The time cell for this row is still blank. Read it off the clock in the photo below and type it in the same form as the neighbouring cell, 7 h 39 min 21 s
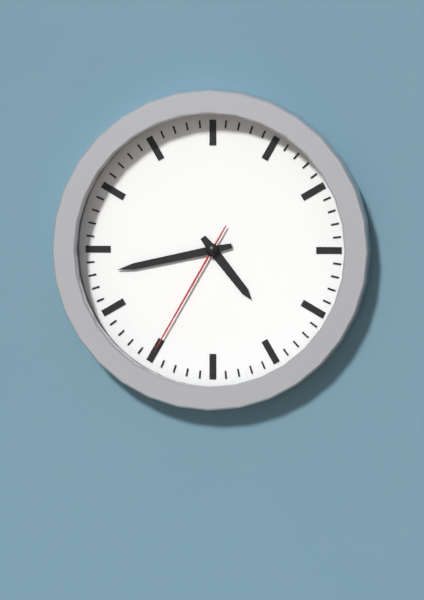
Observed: 4 h 43 min 35 s
